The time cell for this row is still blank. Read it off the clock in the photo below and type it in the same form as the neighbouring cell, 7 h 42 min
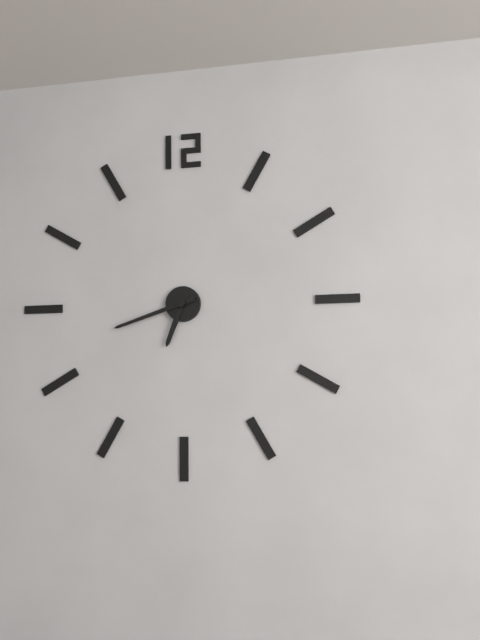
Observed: 6 h 42 min
